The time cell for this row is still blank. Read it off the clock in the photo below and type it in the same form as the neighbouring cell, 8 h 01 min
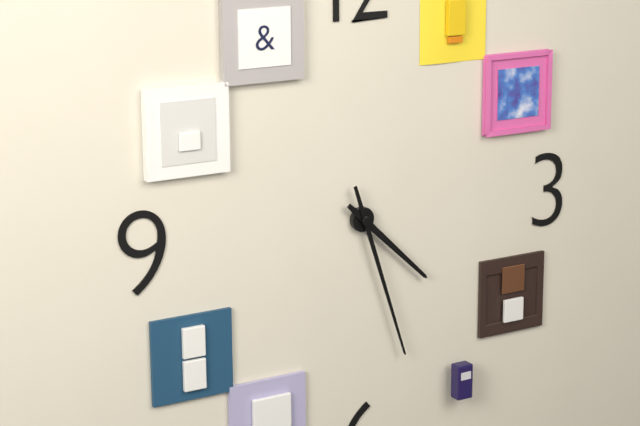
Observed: 4 h 27 min
